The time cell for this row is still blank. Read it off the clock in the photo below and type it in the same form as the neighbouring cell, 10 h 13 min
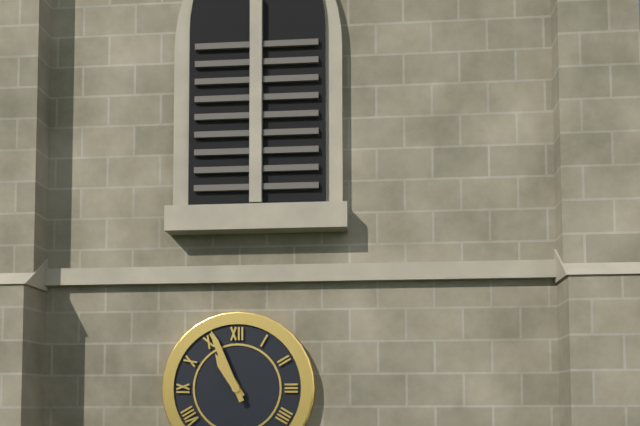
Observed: 10 h 56 min
